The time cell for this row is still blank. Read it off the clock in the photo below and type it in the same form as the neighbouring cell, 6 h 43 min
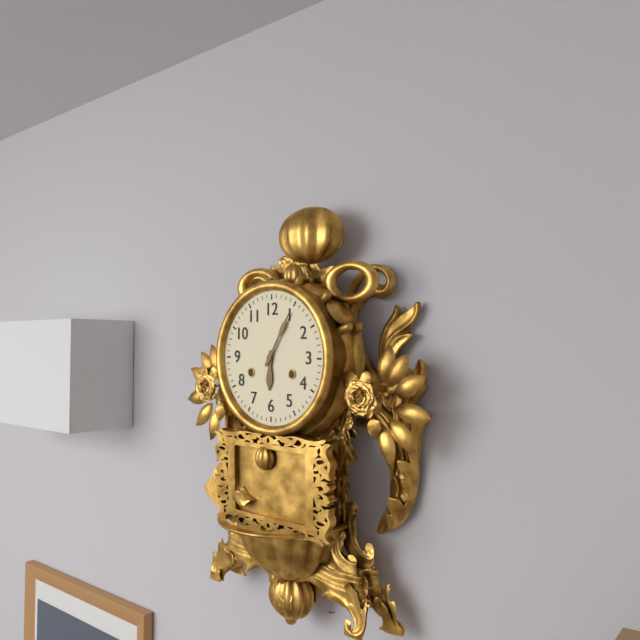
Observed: 6 h 05 min
